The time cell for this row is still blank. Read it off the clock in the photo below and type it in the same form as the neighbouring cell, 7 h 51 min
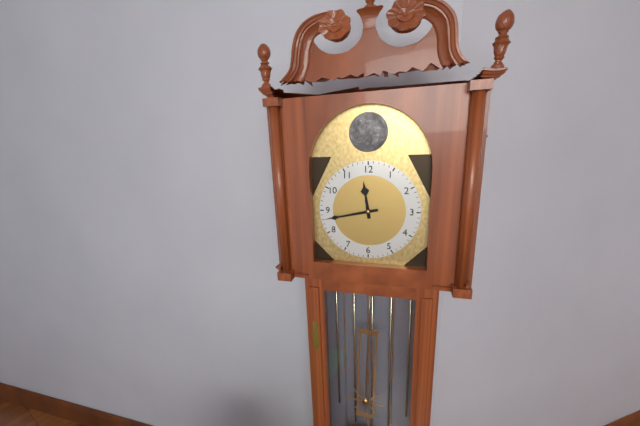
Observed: 11 h 43 min
